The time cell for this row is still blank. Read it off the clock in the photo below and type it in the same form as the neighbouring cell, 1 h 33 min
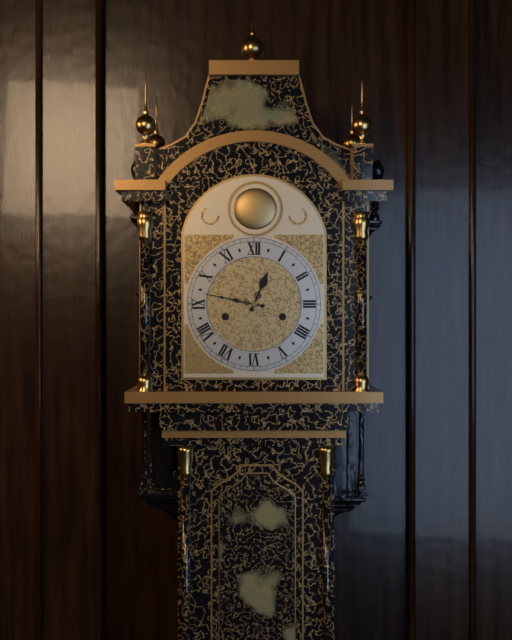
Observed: 12 h 47 min
